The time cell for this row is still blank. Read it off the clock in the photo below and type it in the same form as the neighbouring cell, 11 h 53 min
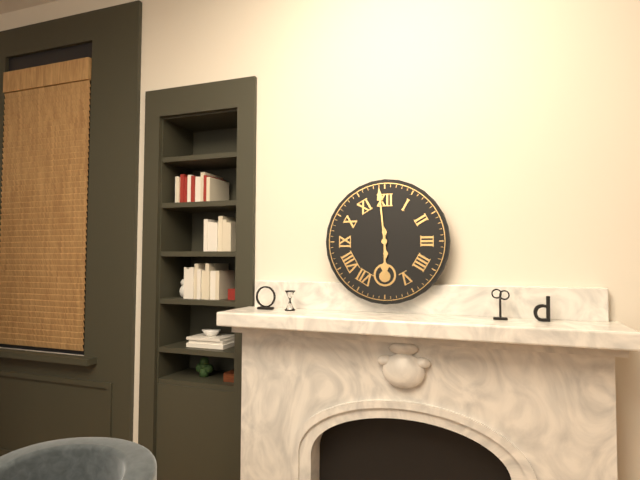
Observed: 5 h 59 min
